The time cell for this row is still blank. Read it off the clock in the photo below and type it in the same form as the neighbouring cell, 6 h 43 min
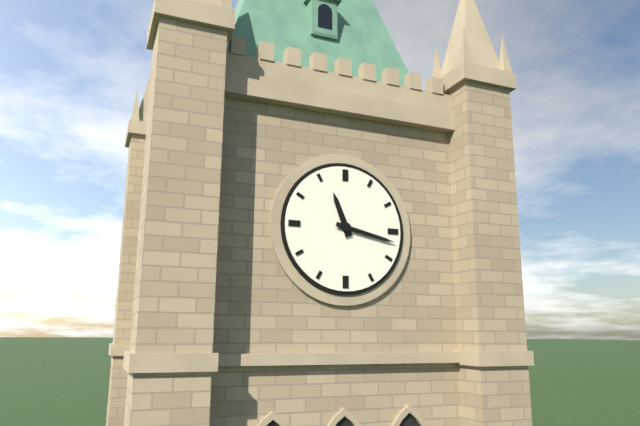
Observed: 11 h 17 min
